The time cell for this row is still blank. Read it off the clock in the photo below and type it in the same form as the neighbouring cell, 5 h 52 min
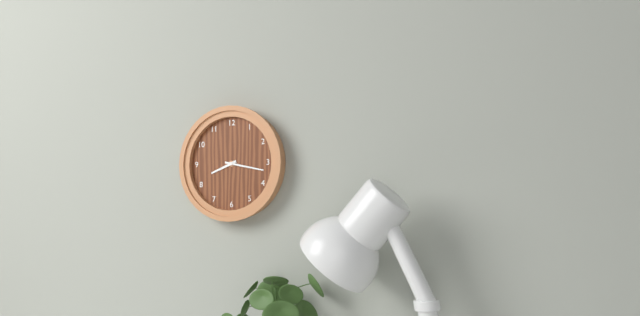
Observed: 8 h 17 min
